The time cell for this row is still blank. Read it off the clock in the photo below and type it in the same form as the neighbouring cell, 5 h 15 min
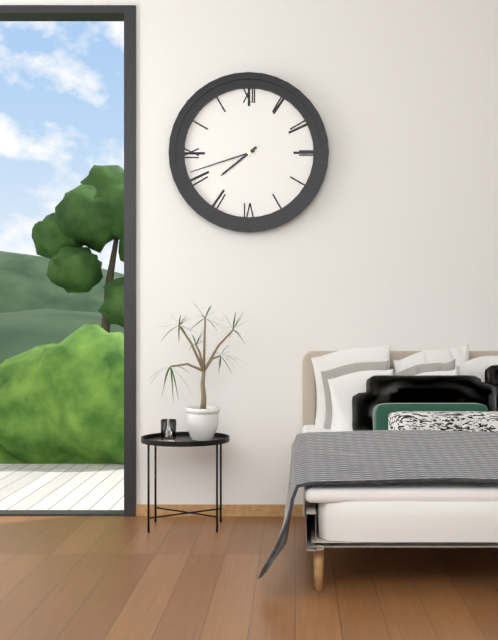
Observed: 7 h 42 min
